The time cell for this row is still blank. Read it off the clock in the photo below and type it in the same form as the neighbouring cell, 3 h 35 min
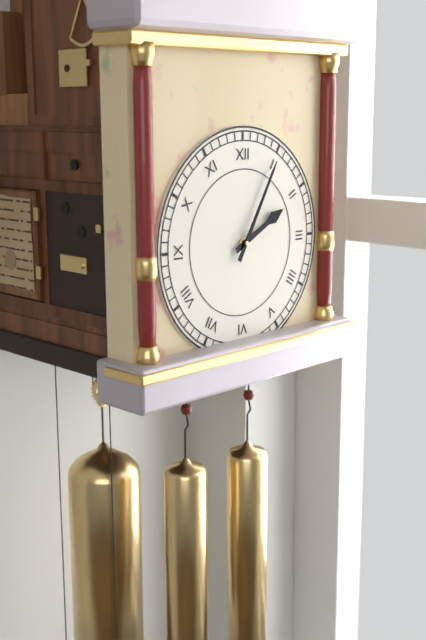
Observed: 2 h 05 min
